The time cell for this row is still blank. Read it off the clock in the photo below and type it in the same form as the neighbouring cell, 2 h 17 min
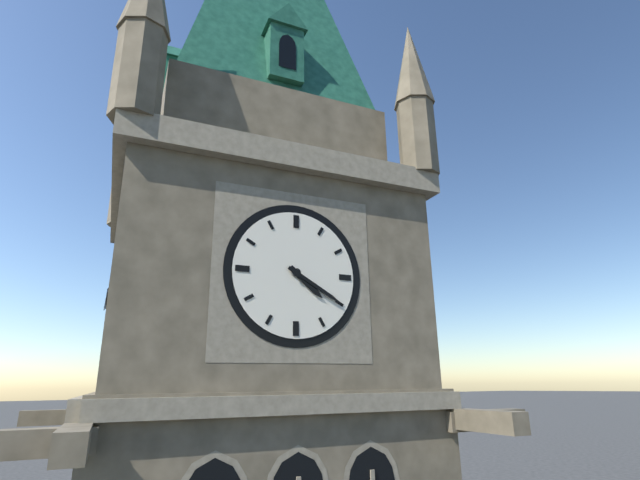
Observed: 4 h 20 min
